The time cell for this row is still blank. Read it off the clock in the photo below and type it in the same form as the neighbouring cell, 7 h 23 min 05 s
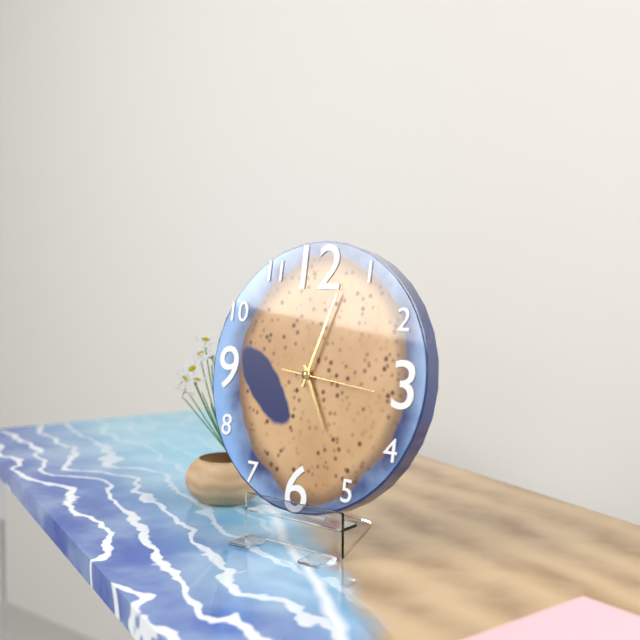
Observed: 5 h 03 min 16 s
